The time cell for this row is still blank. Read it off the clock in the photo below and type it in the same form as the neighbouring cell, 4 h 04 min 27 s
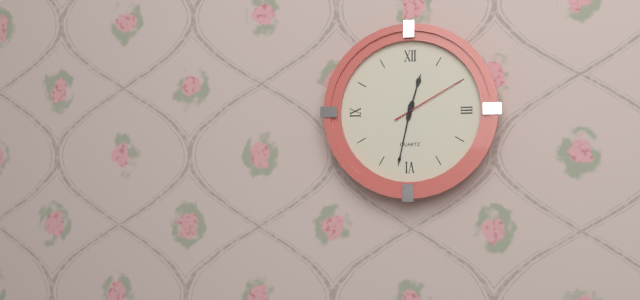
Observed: 12 h 32 min 10 s
